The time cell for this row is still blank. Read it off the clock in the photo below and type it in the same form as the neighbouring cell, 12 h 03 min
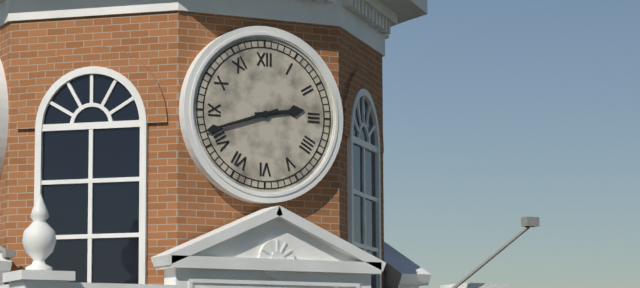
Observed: 2 h 42 min
